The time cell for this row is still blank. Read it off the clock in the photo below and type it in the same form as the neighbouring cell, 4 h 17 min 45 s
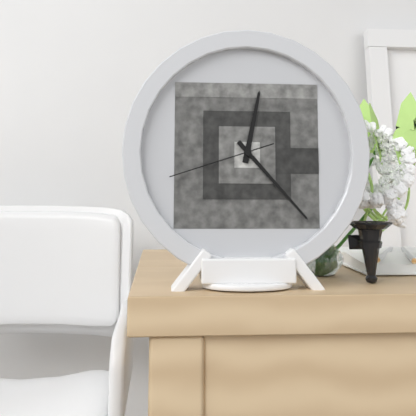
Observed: 12 h 23 min 42 s
